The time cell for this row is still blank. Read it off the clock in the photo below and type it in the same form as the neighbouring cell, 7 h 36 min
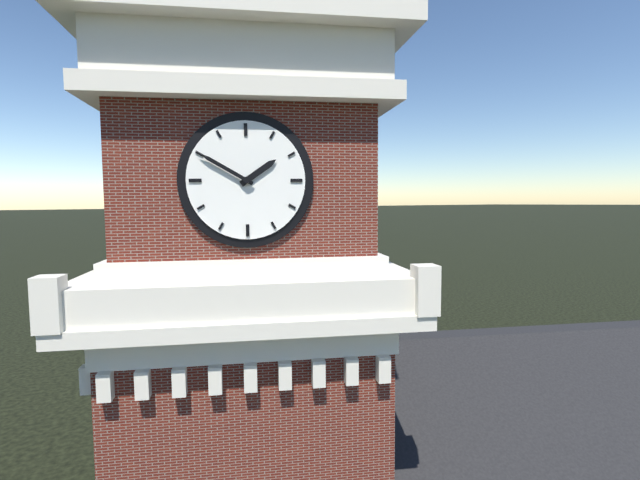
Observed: 1 h 50 min
